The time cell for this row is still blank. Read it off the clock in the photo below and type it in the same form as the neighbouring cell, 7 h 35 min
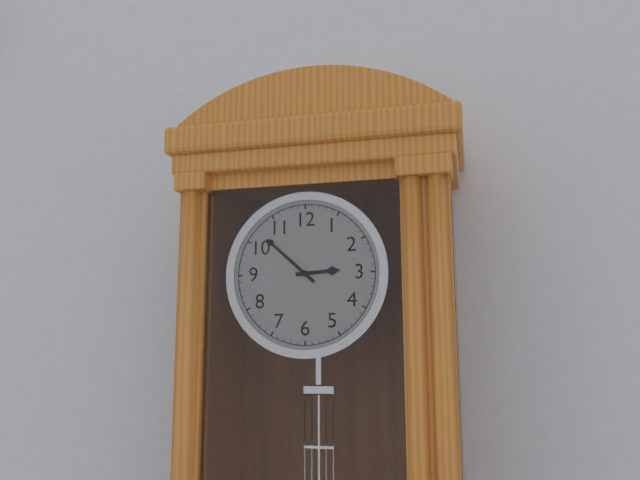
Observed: 2 h 52 min
